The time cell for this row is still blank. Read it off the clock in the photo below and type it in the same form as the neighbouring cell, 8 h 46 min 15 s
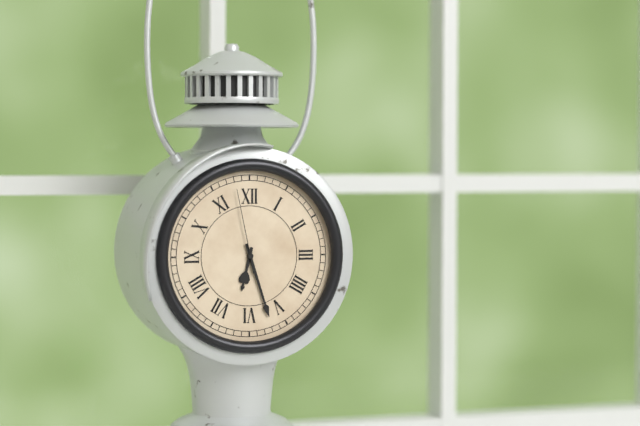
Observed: 6 h 27 min 58 s
